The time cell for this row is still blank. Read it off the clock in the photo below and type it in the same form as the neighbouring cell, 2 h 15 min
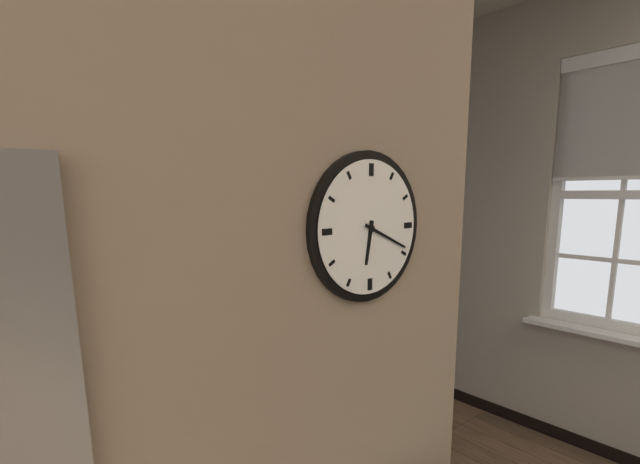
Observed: 6 h 19 min
